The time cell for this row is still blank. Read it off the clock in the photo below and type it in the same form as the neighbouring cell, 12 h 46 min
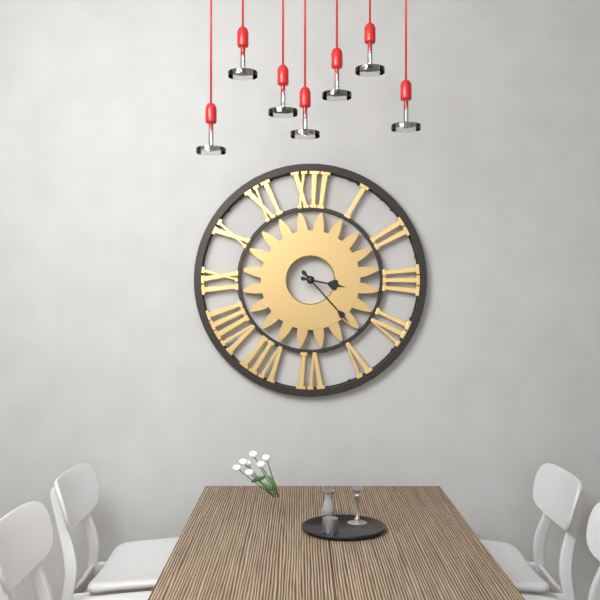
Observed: 3 h 23 min
